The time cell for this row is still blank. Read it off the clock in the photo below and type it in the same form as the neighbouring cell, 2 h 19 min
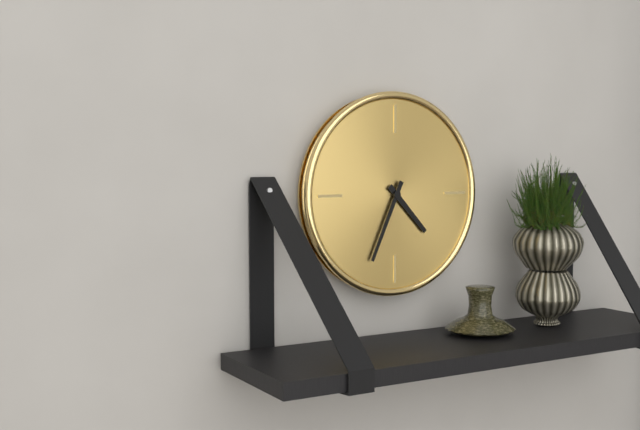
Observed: 4 h 34 min
